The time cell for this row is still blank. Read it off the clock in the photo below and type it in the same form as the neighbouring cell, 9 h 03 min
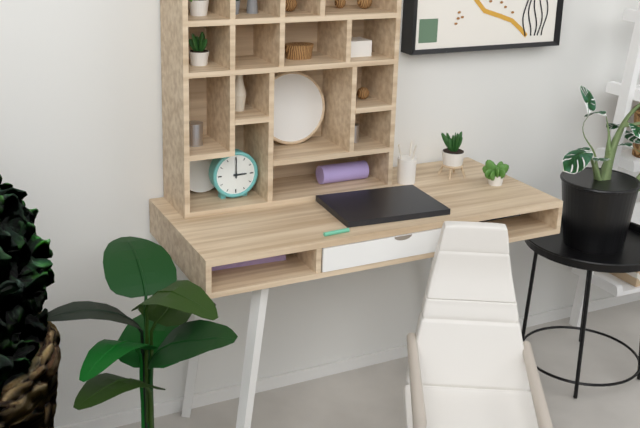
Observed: 3 h 00 min
